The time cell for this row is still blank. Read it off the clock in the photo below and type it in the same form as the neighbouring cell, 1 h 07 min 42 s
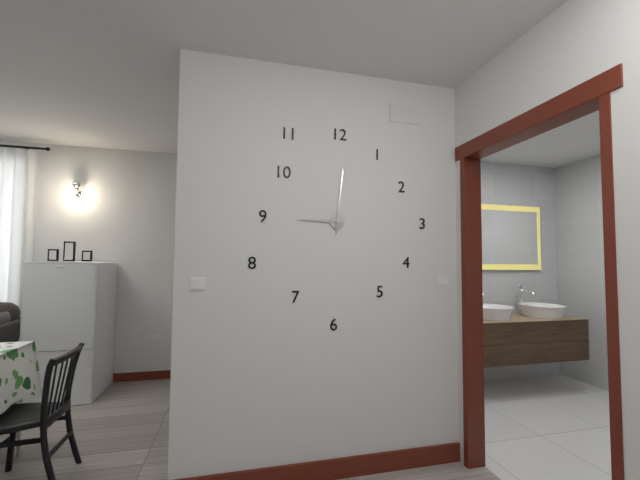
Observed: 9 h 01 min 01 s
